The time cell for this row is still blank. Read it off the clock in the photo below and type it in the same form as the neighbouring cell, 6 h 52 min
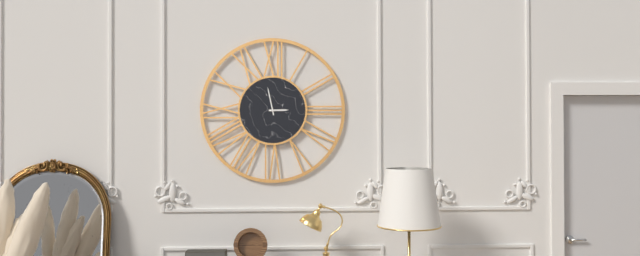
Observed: 2 h 58 min
